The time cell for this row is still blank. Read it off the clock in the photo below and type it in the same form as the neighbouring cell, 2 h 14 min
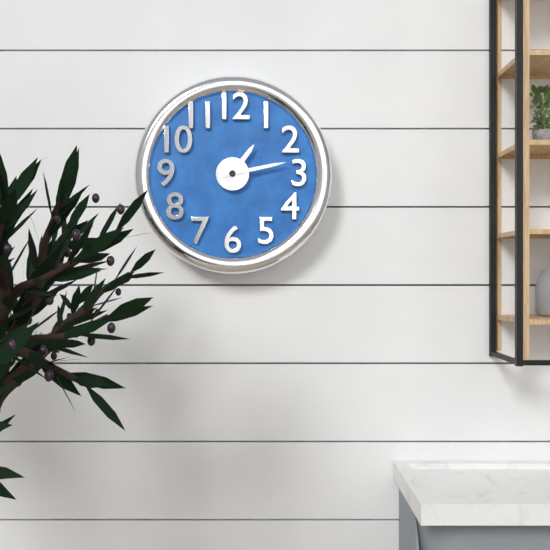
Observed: 1 h 13 min
